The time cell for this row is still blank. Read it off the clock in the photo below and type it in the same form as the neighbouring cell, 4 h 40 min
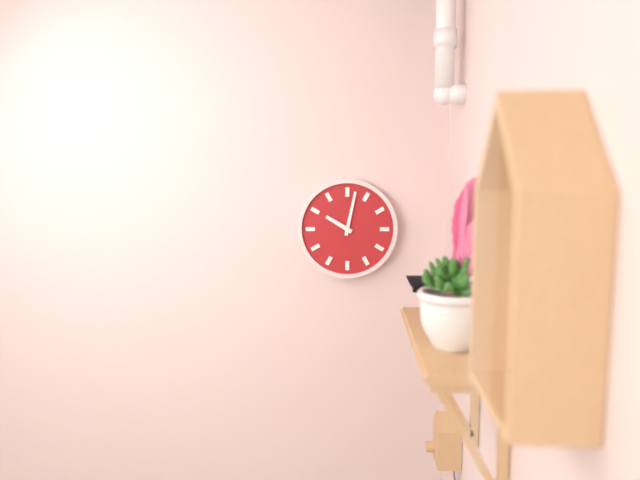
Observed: 10 h 02 min
